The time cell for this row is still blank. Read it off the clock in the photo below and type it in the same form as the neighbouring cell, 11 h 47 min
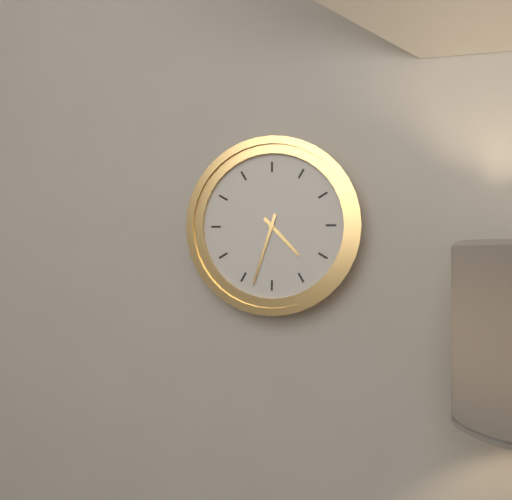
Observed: 4 h 33 min
